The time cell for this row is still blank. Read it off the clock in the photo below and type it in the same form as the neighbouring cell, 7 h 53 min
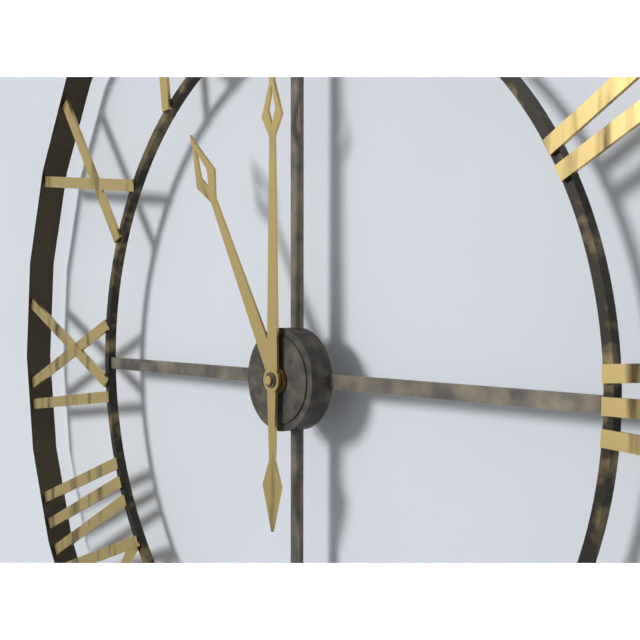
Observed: 11 h 00 min
